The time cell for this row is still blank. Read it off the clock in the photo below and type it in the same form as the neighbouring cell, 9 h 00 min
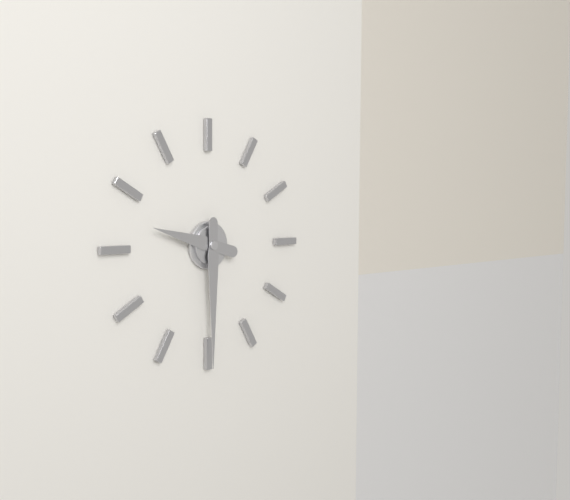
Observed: 9 h 30 min
